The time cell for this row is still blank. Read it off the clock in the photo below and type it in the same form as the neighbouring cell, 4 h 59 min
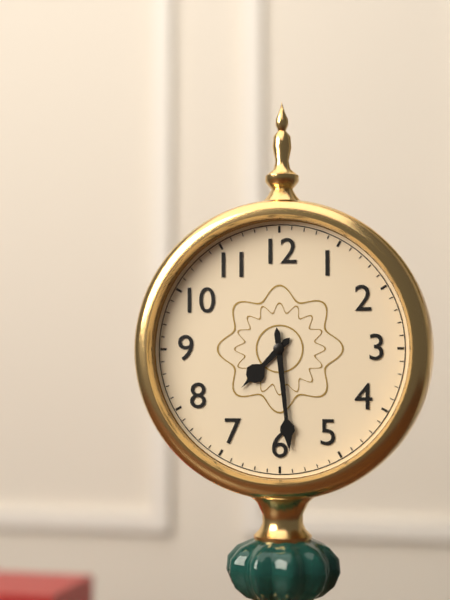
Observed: 7 h 29 min
